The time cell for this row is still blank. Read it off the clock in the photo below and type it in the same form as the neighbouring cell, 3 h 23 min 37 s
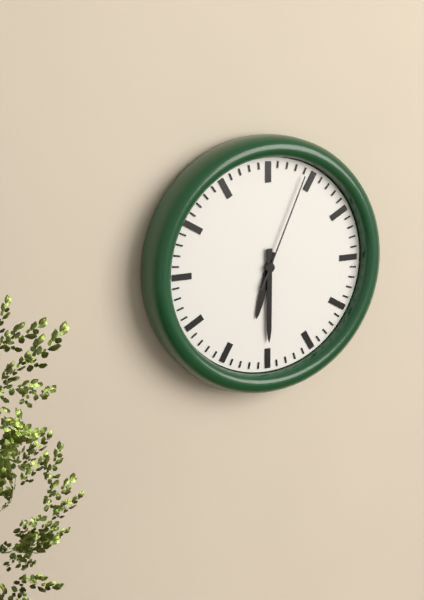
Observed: 6 h 30 min 04 s
